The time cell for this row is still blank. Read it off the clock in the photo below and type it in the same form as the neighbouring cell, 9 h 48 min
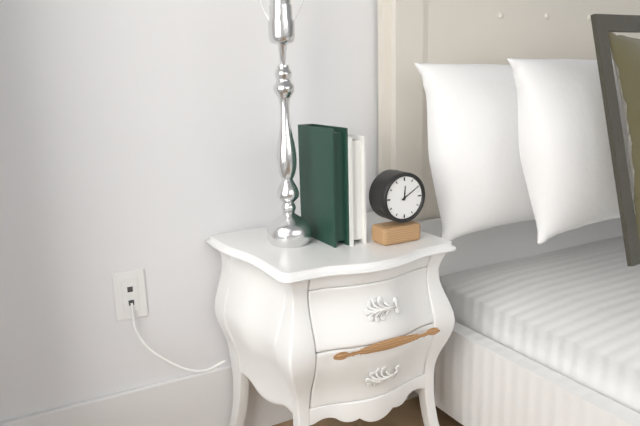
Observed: 12 h 10 min
